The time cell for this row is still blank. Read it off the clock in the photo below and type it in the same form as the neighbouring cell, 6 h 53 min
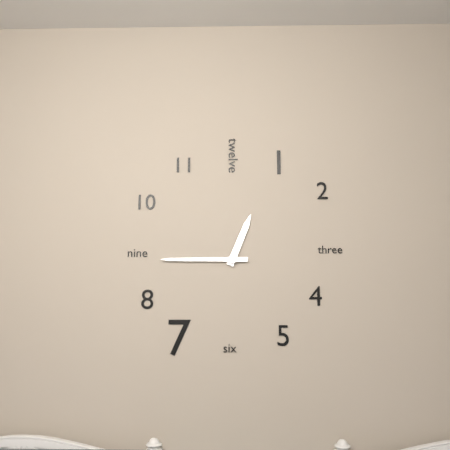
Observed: 12 h 45 min
